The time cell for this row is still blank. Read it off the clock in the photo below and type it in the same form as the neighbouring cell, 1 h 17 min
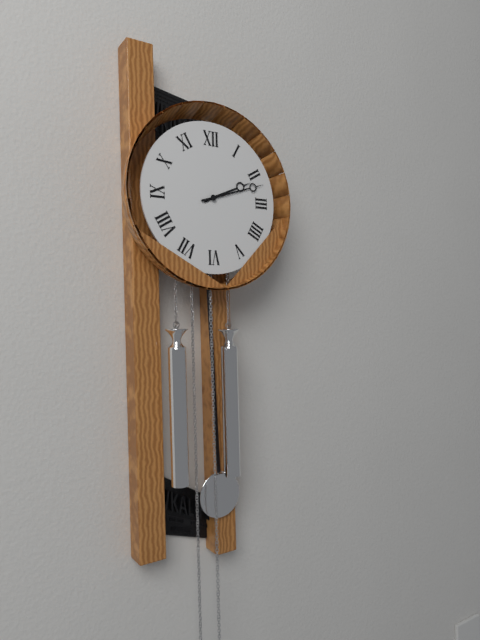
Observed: 2 h 12 min
